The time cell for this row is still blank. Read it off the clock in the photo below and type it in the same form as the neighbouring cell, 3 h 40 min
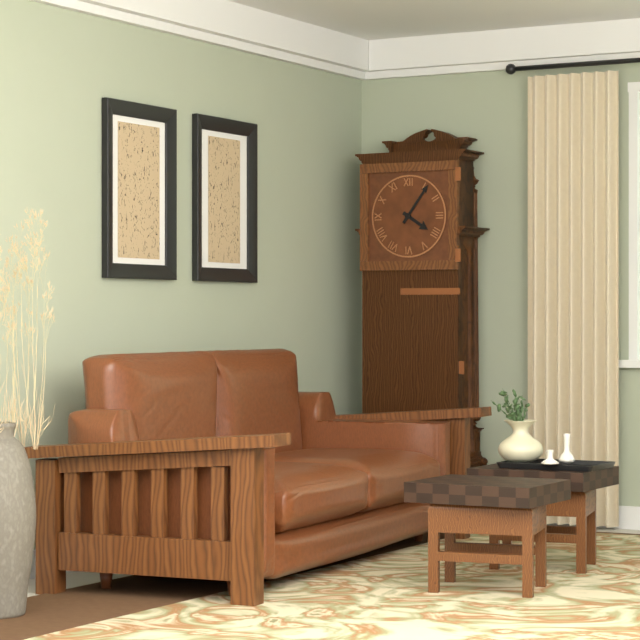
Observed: 4 h 06 min
